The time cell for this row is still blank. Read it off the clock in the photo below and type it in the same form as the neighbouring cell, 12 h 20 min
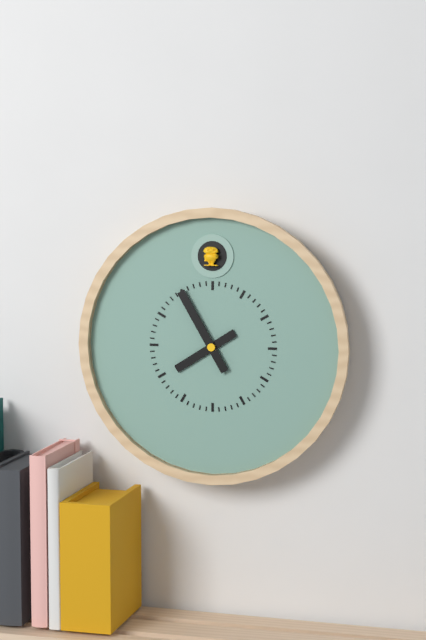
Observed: 7 h 55 min
